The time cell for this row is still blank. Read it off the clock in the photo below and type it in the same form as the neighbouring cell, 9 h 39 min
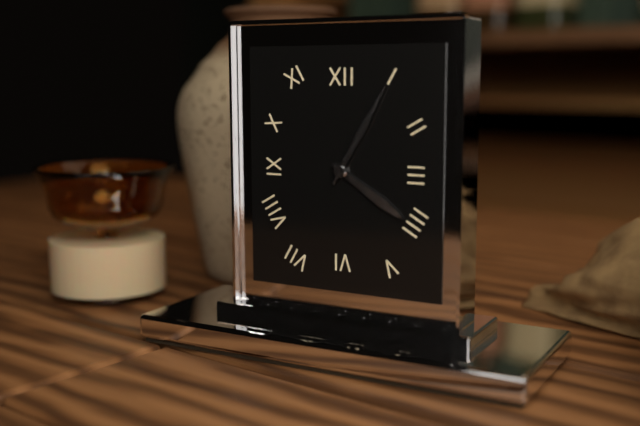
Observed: 4 h 05 min
